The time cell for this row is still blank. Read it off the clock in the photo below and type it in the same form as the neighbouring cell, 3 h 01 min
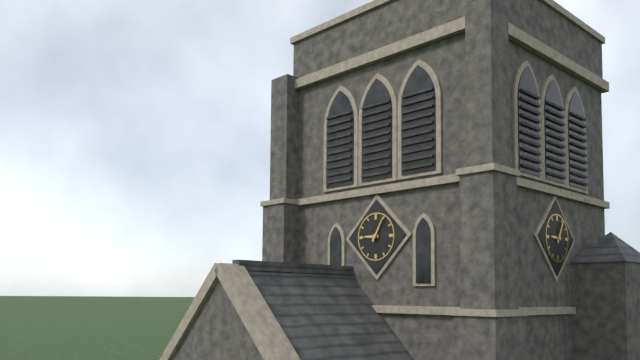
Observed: 9 h 05 min
